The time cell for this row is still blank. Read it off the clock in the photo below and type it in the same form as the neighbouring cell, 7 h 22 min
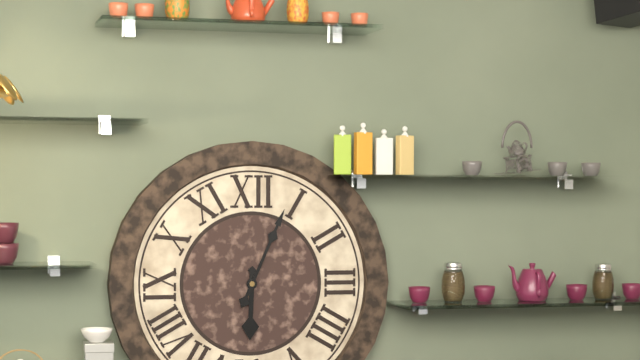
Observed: 6 h 04 min
